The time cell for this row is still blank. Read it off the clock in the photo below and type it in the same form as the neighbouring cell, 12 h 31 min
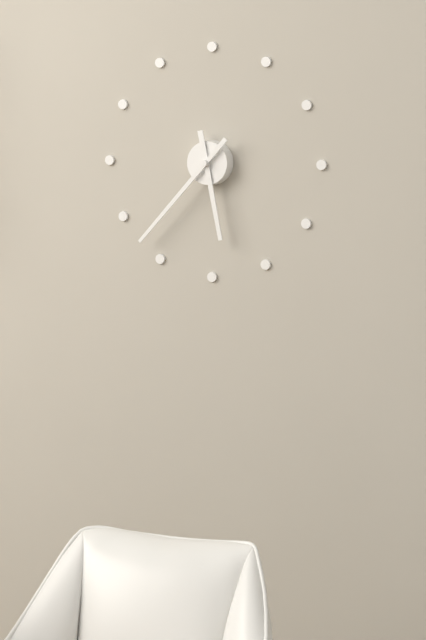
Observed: 5 h 37 min
